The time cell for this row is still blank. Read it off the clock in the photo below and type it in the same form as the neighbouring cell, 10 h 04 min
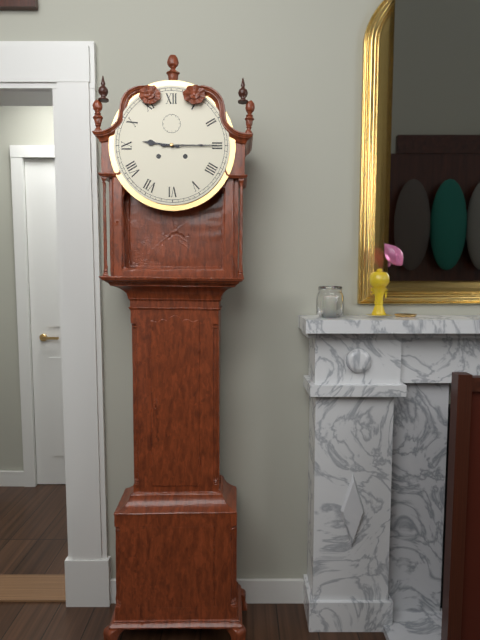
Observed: 9 h 15 min
